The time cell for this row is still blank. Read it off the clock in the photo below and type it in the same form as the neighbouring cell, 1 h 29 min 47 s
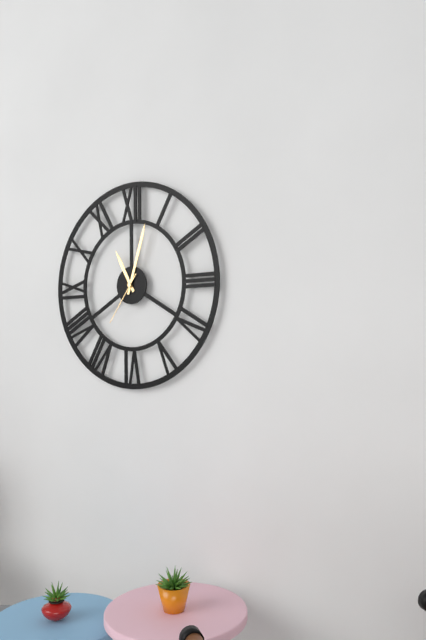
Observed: 11 h 03 min 36 s
